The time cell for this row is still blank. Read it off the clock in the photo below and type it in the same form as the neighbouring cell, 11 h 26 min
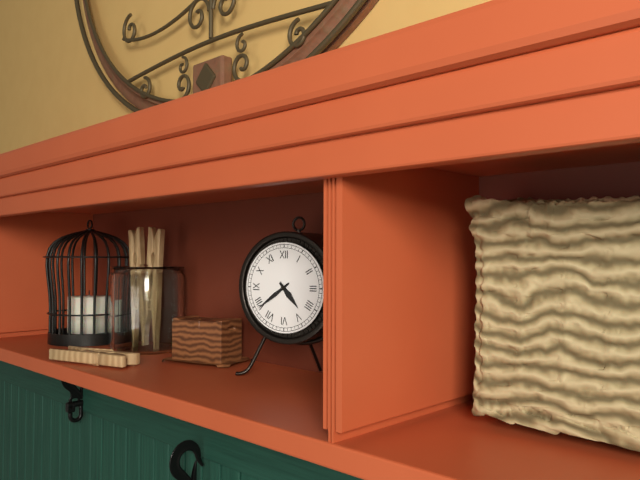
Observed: 4 h 39 min
